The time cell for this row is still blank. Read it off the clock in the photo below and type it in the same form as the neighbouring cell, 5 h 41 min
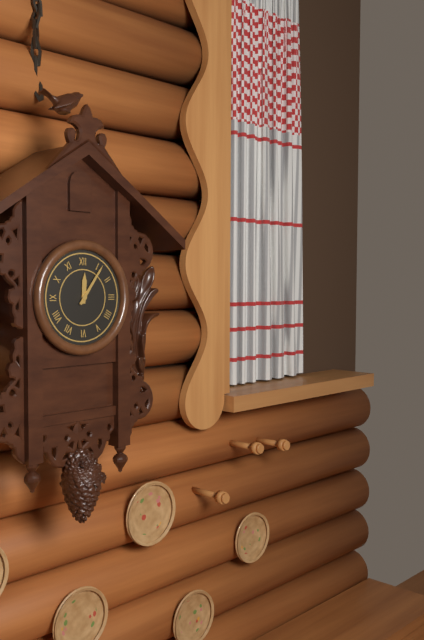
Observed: 12 h 06 min
